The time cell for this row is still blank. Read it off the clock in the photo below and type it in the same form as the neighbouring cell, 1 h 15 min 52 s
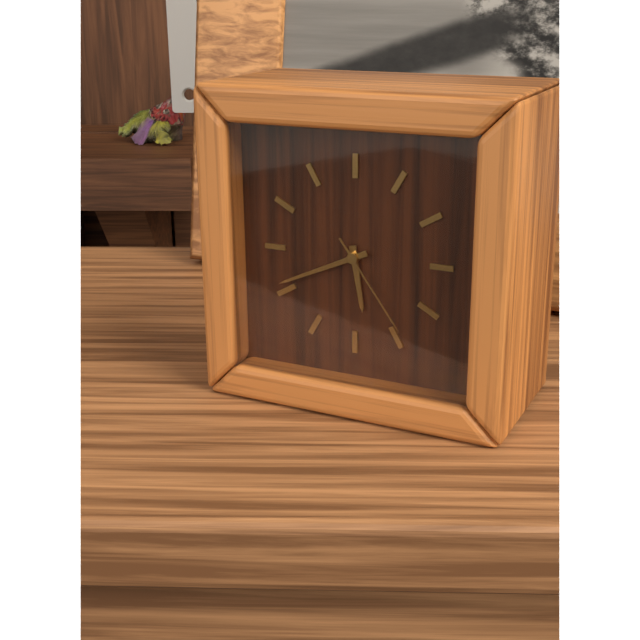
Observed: 5 h 41 min 24 s
